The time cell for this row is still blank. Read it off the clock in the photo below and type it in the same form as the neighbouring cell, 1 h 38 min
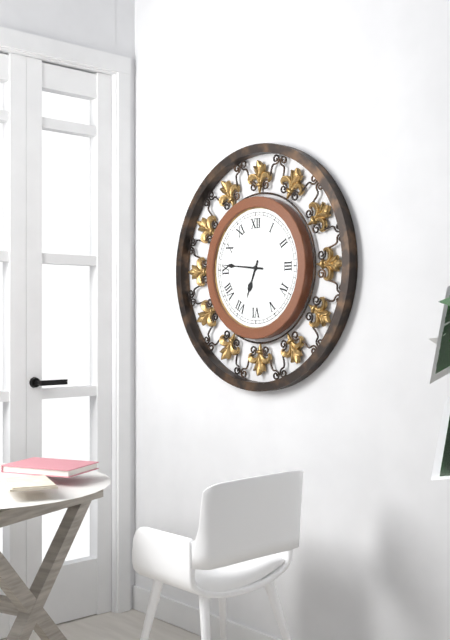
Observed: 6 h 46 min
